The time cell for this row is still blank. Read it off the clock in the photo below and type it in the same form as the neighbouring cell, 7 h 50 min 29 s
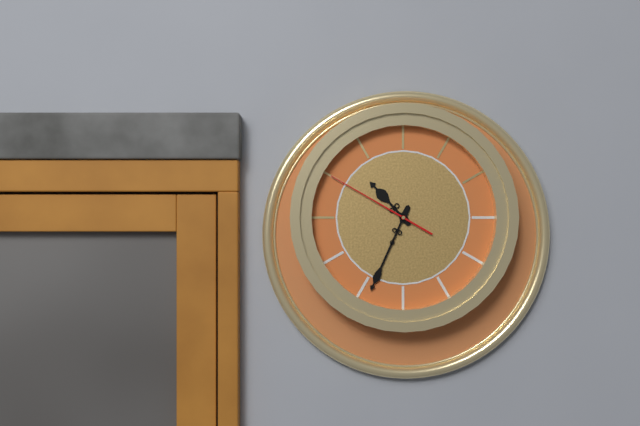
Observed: 10 h 34 min 50 s
